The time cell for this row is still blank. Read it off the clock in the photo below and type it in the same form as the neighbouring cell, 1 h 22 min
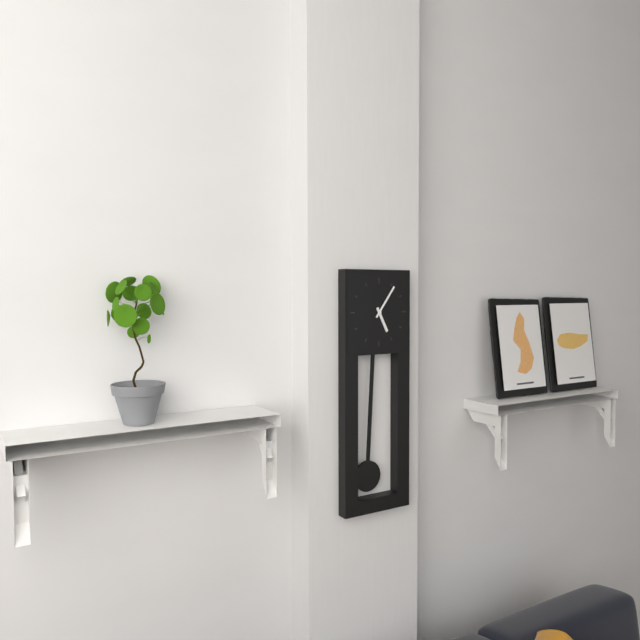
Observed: 5 h 06 min
